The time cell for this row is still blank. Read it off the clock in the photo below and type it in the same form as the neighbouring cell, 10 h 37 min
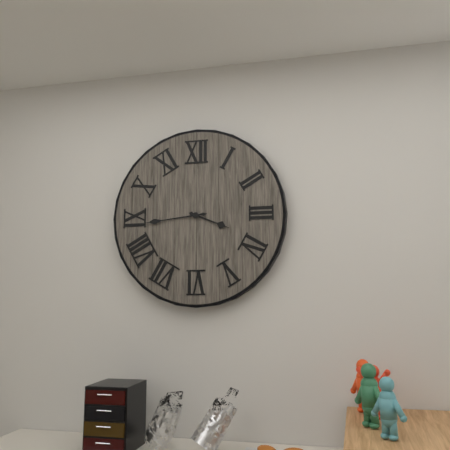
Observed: 3 h 44 min
